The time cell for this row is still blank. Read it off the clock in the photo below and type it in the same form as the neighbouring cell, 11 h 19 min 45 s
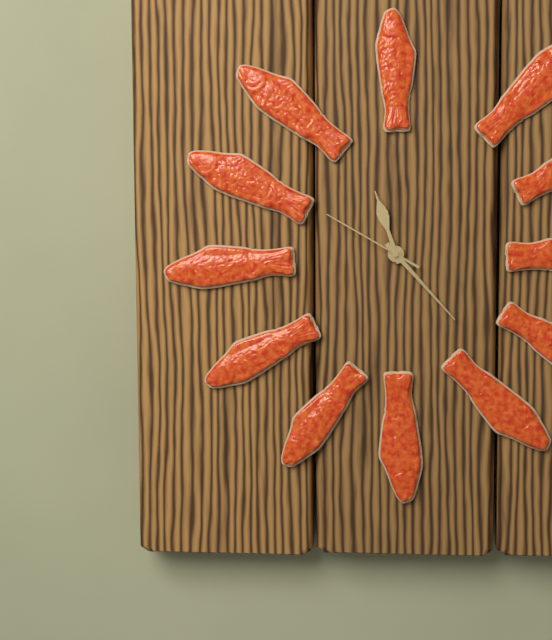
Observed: 11 h 23 min 50 s
